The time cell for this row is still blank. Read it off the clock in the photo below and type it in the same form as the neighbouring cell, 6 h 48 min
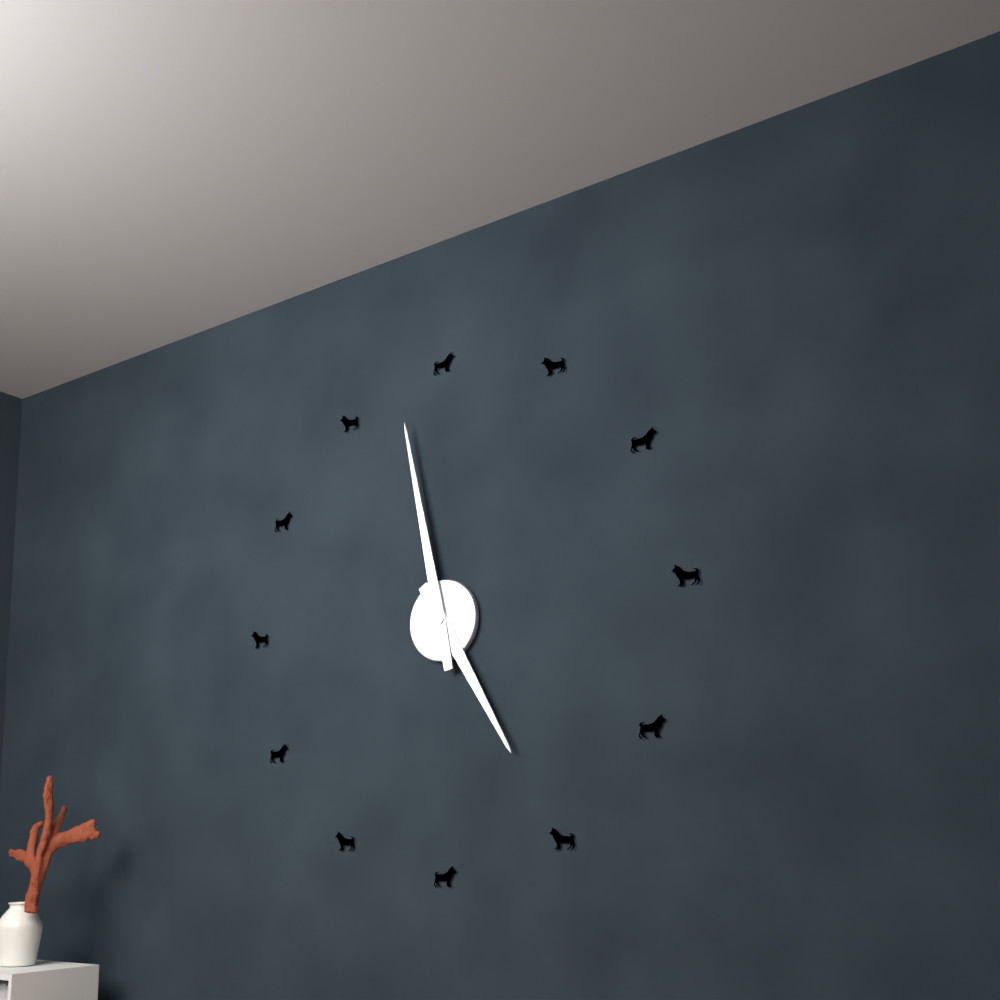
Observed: 4 h 58 min
